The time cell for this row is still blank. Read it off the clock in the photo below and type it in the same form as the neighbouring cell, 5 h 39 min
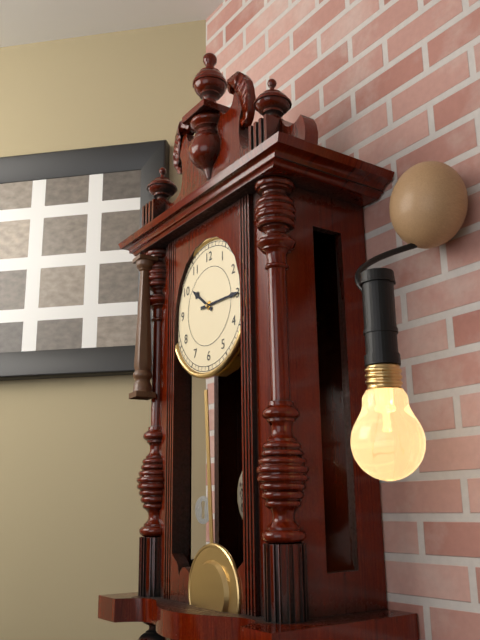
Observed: 10 h 15 min
